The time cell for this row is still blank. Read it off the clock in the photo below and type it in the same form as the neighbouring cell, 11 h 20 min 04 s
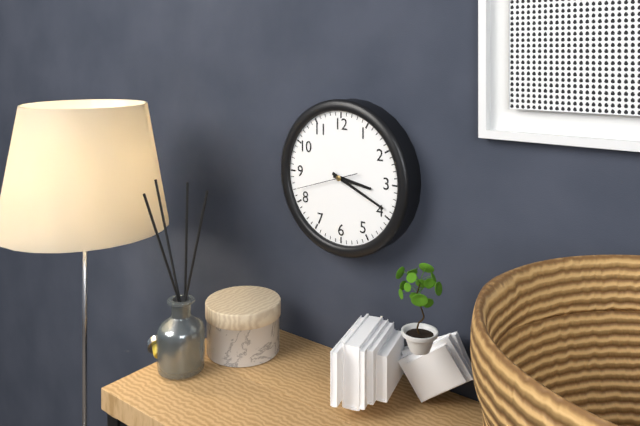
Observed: 3 h 19 min 42 s
